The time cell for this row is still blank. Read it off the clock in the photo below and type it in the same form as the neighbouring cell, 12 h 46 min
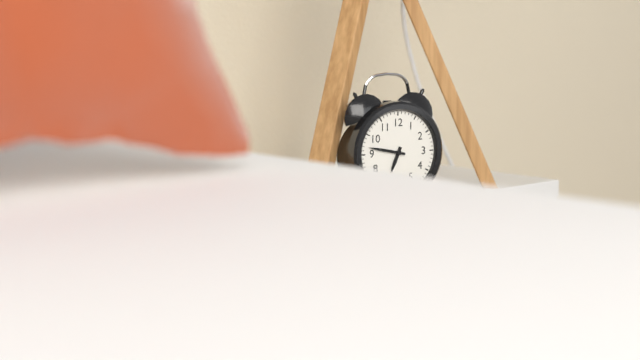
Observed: 6 h 47 min
